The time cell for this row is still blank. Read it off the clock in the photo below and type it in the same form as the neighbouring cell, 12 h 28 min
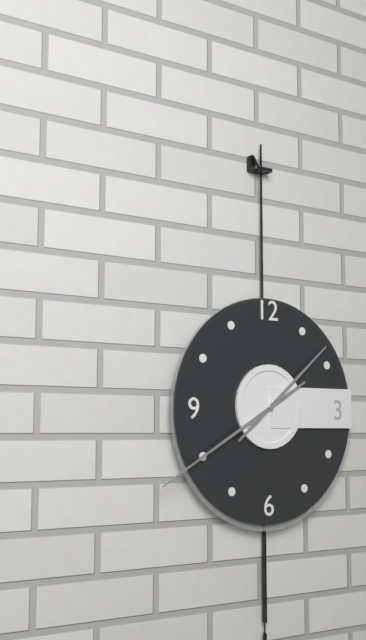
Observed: 1 h 40 min
